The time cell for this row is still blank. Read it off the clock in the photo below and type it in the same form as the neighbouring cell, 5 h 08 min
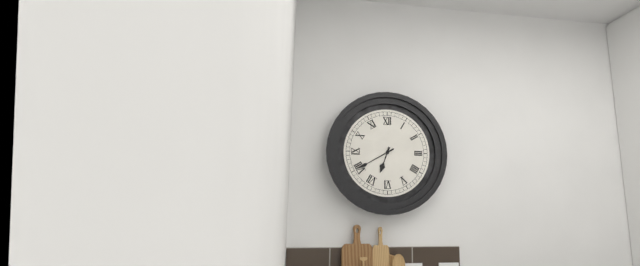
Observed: 6 h 40 min
